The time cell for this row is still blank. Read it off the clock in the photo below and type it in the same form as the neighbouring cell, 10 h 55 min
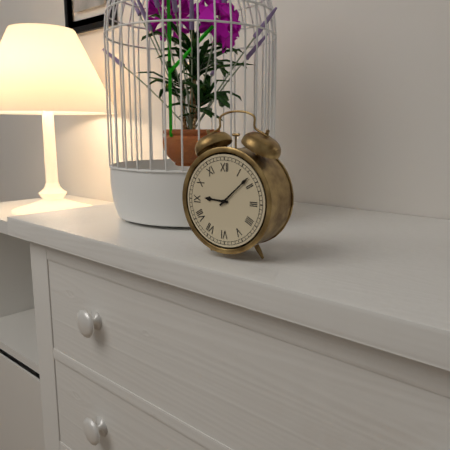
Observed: 9 h 08 min
